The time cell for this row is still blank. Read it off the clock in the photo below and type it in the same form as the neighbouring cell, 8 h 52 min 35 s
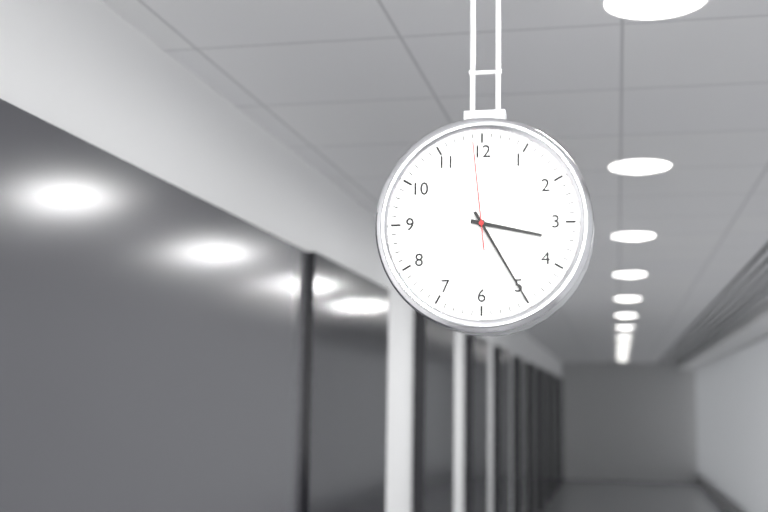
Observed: 3 h 25 min 59 s
